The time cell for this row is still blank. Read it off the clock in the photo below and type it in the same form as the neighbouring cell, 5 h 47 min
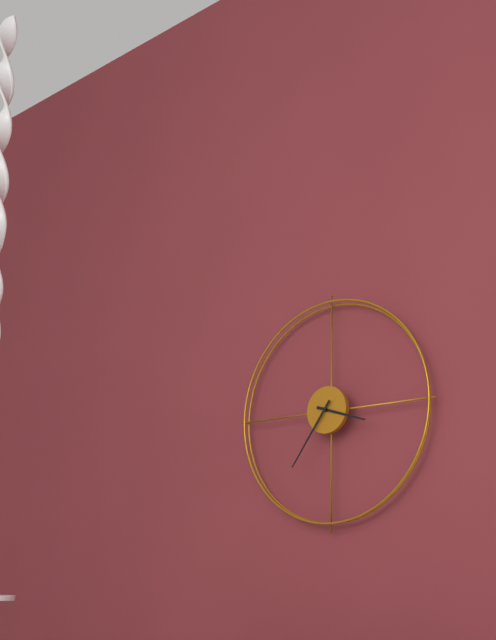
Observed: 3 h 36 min
